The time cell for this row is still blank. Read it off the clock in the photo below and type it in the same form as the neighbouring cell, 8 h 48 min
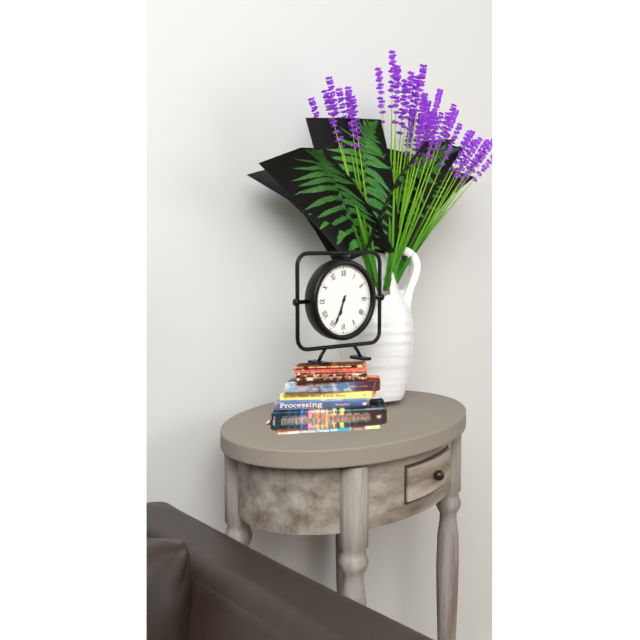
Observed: 6 h 34 min
